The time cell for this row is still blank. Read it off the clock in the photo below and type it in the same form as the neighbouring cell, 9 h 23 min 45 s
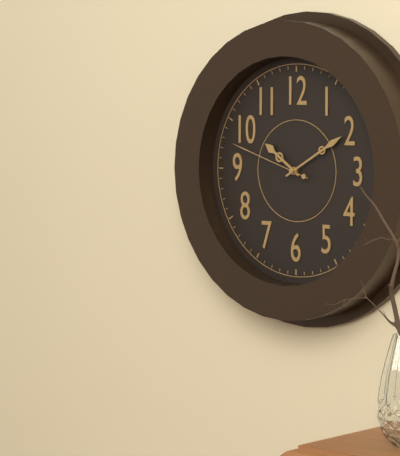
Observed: 10 h 10 min 48 s
